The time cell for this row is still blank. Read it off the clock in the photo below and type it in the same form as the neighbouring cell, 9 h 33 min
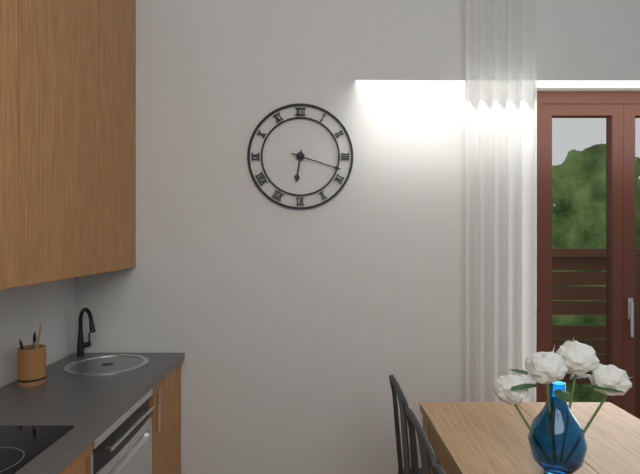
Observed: 6 h 18 min
